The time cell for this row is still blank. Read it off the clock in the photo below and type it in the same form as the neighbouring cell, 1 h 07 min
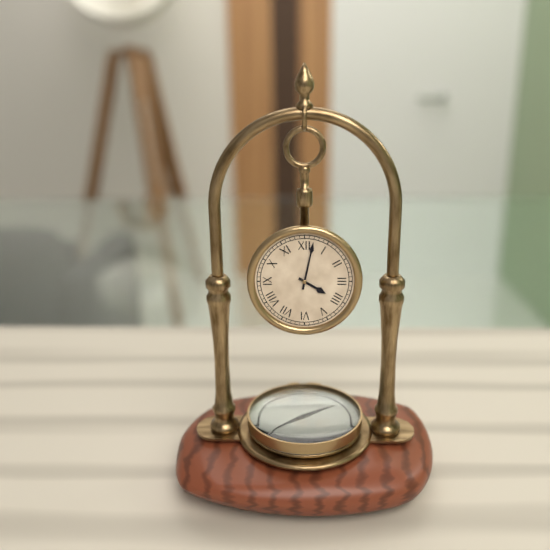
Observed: 4 h 02 min
